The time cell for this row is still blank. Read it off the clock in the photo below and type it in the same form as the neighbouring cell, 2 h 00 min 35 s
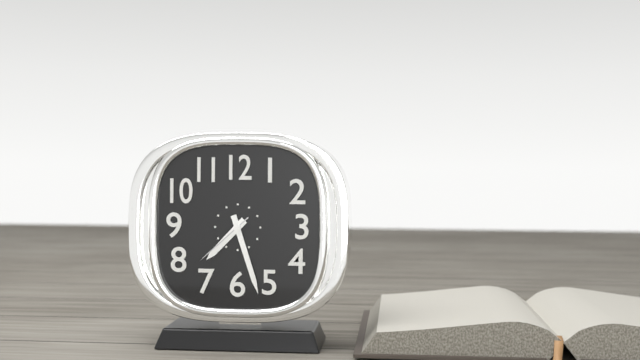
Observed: 7 h 27 min 38 s
